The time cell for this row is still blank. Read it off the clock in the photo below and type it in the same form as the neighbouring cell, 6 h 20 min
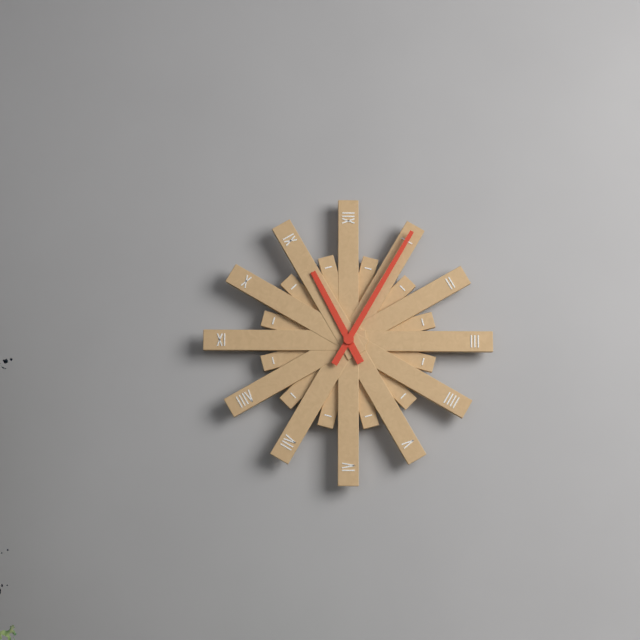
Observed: 11 h 05 min
